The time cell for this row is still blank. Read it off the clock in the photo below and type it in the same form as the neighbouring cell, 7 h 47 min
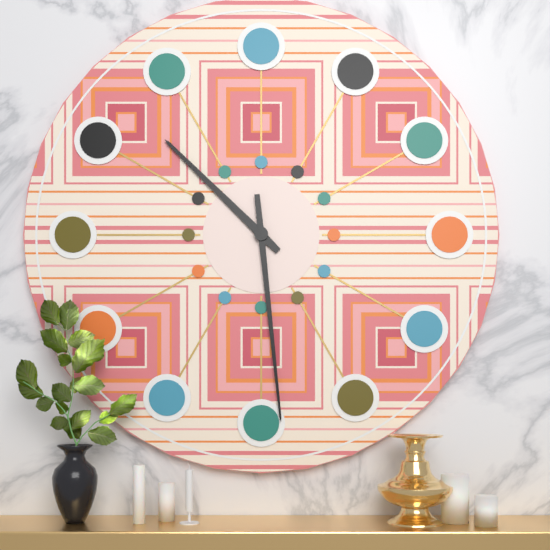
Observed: 10 h 29 min
